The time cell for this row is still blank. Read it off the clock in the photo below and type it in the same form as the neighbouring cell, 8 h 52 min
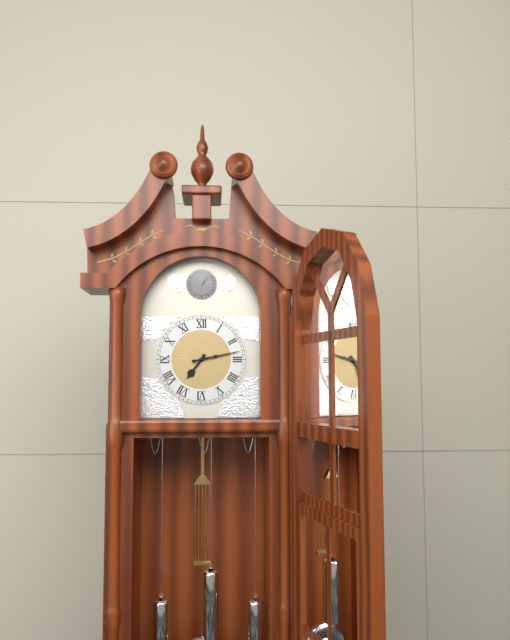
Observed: 7 h 13 min
